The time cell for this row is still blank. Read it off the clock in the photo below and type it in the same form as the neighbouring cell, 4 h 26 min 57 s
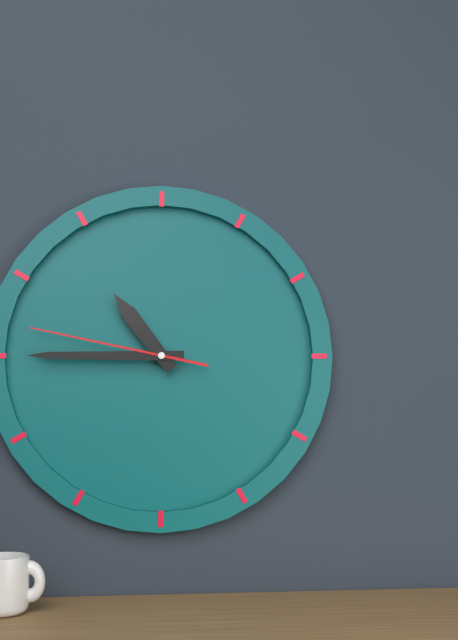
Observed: 10 h 45 min 47 s
